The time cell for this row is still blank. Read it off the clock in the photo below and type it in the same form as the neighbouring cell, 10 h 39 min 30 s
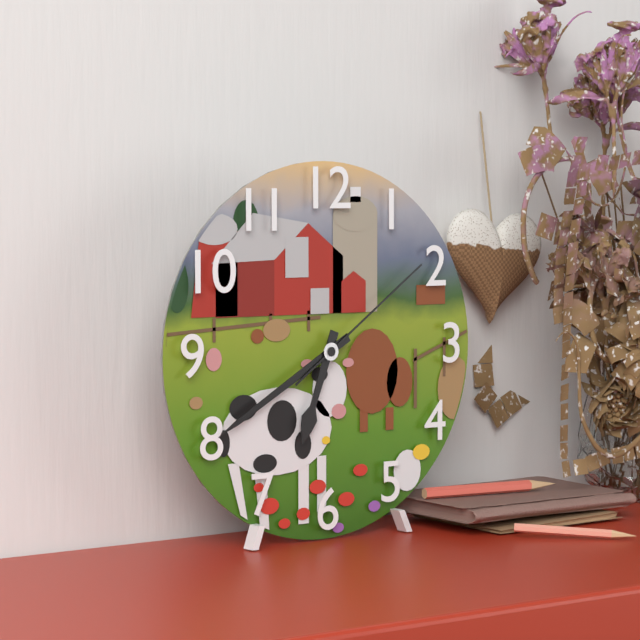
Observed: 6 h 40 min 09 s
